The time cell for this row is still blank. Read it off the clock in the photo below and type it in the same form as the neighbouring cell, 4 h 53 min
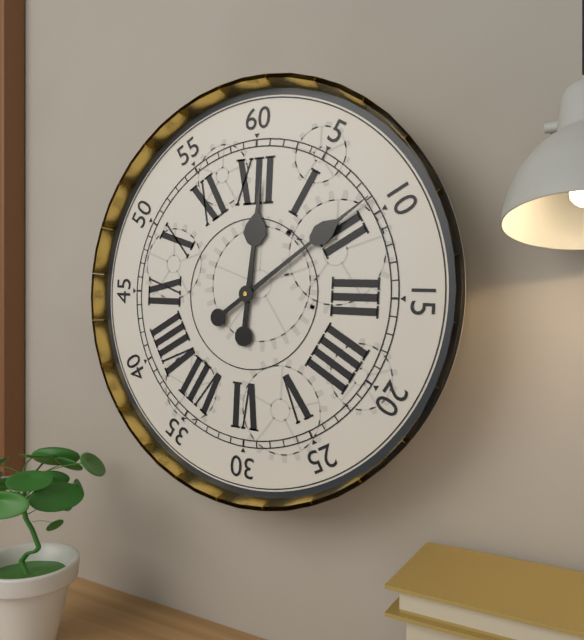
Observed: 12 h 09 min
